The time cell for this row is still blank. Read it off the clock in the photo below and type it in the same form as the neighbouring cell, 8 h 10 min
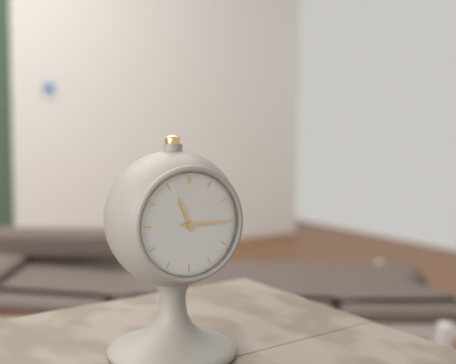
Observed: 11 h 15 min
